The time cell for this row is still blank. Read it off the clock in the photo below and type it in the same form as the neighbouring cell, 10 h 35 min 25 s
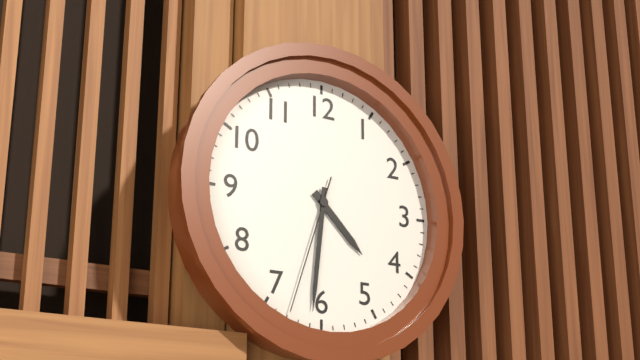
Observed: 4 h 31 min 33 s
